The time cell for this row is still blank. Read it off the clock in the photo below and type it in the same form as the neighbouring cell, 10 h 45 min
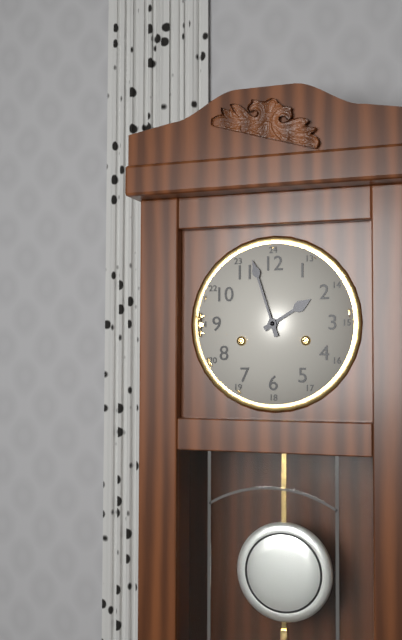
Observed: 1 h 57 min
